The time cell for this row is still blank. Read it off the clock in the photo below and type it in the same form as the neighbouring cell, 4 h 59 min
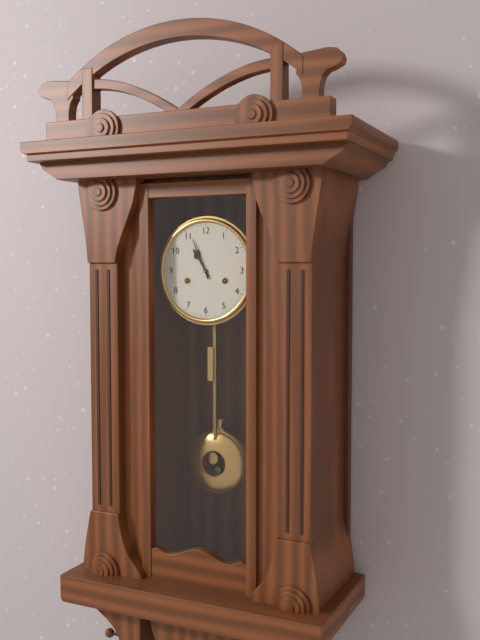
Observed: 10 h 56 min
